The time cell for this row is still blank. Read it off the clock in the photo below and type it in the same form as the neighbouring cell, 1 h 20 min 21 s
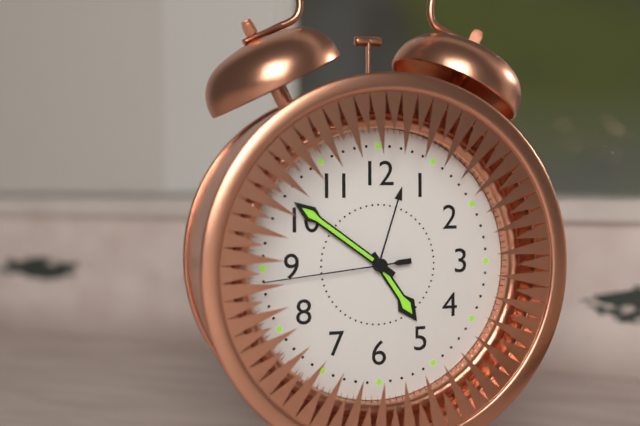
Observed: 4 h 51 min 44 s
